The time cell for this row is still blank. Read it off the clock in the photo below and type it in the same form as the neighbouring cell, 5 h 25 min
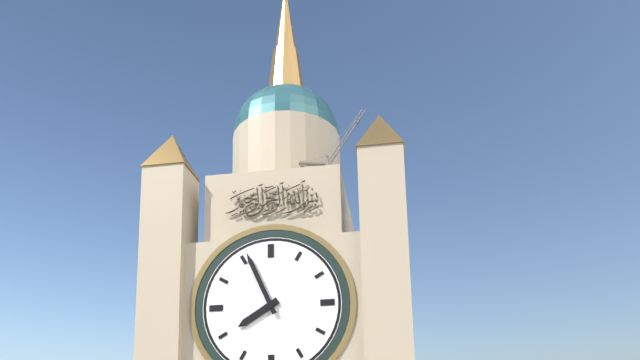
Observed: 7 h 56 min
